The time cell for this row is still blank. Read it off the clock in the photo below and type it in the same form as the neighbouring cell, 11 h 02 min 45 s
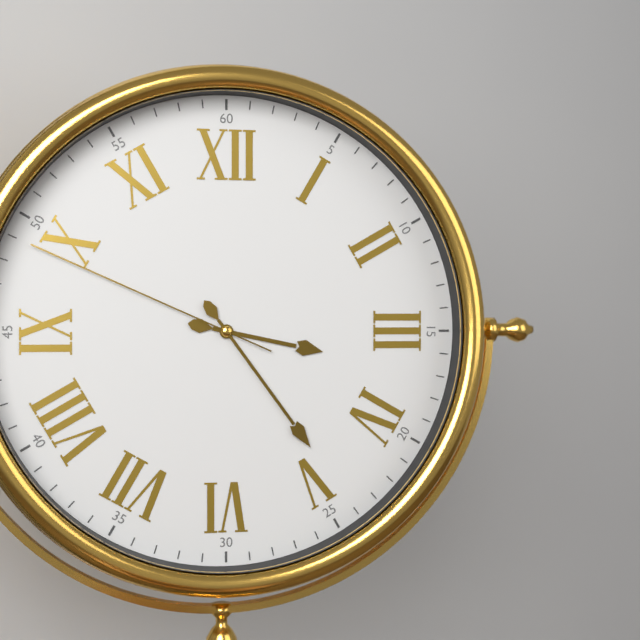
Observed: 3 h 24 min 49 s
